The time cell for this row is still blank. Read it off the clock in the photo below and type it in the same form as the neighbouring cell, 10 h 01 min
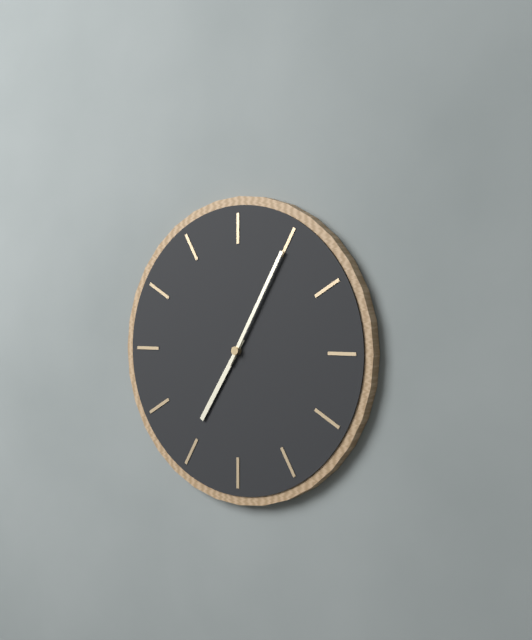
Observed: 7 h 05 min
